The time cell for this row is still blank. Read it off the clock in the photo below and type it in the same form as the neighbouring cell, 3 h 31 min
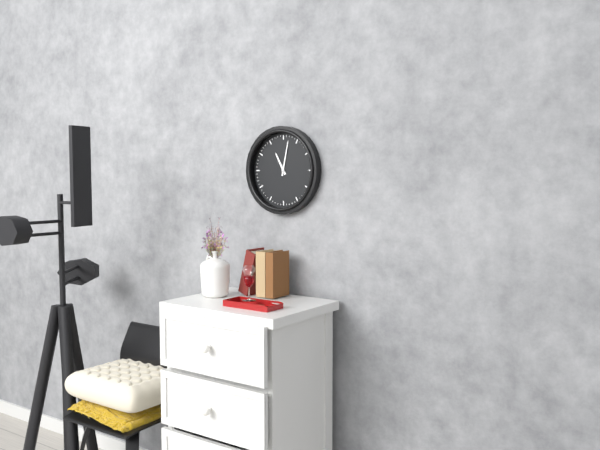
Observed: 11 h 02 min
